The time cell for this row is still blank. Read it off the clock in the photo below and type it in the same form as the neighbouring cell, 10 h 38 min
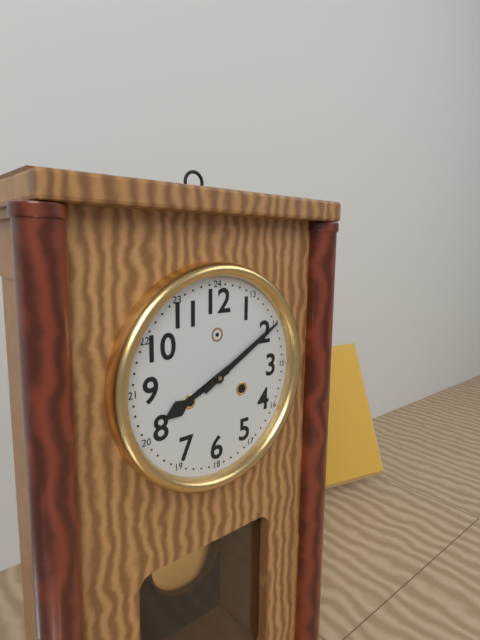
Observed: 8 h 10 min
